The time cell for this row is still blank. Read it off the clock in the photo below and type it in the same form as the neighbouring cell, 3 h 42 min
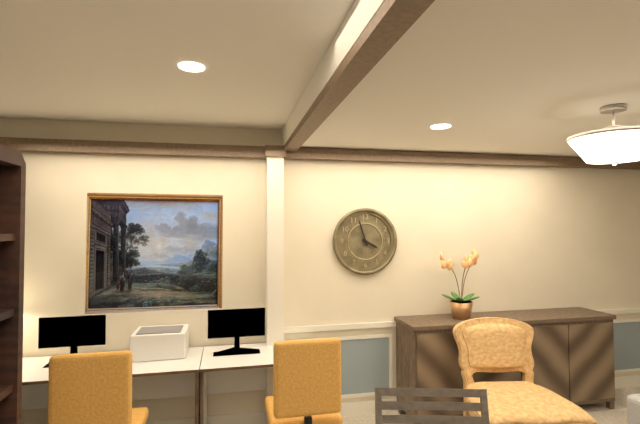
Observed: 3 h 57 min
